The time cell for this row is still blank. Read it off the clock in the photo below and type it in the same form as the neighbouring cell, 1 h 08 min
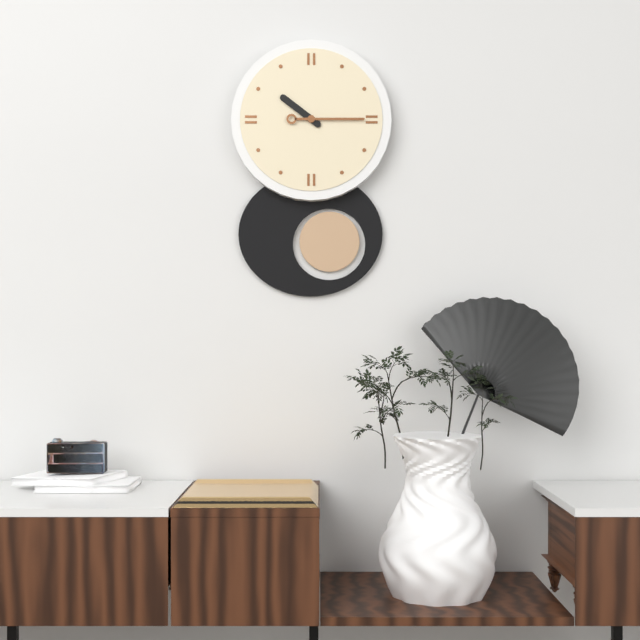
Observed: 10 h 15 min
